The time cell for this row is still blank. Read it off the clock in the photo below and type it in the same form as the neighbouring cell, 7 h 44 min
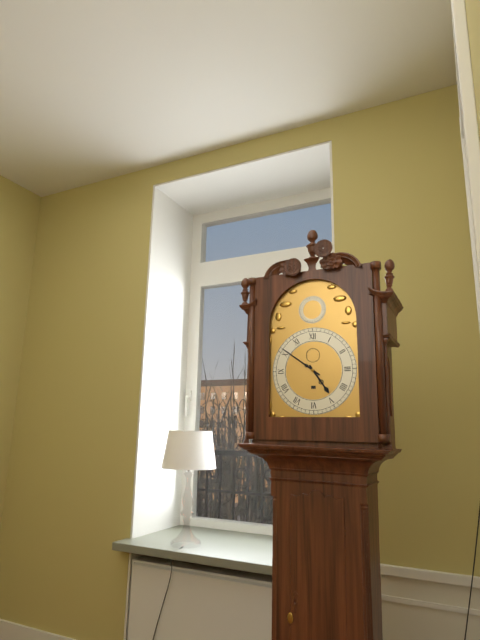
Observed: 4 h 51 min
